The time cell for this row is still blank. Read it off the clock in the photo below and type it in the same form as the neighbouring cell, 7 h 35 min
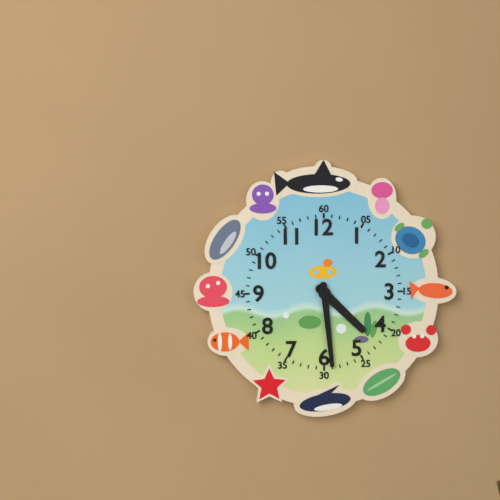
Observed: 4 h 29 min
